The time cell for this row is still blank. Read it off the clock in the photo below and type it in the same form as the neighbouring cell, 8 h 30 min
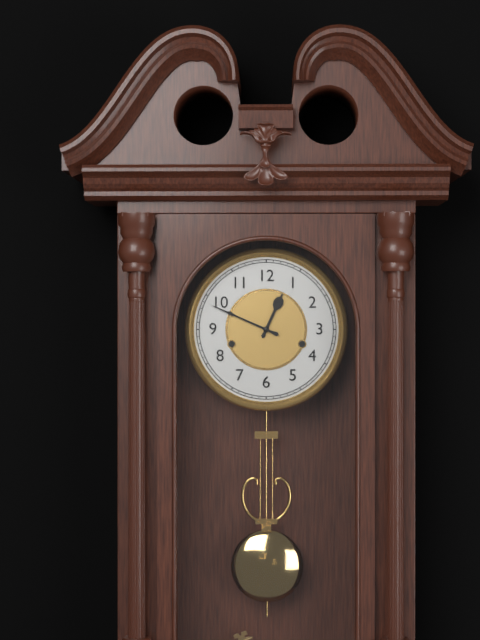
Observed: 12 h 49 min
